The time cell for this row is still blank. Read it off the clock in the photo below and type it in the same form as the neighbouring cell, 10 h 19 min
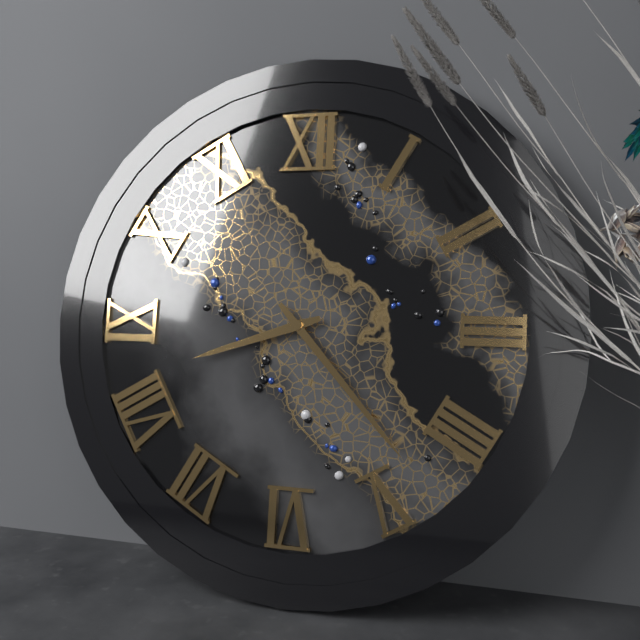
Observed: 8 h 23 min
